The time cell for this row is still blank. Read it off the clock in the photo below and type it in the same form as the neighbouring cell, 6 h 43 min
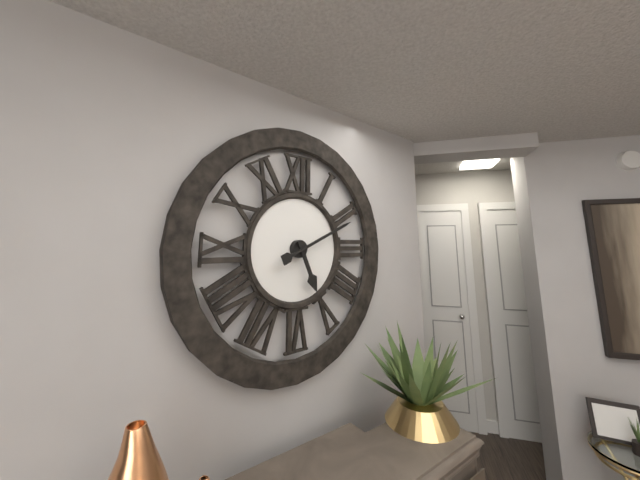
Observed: 5 h 11 min
